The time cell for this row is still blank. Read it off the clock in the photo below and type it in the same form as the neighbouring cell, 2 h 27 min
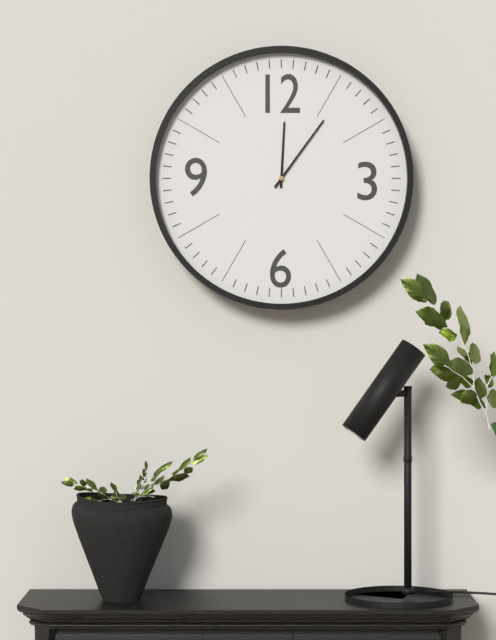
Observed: 12 h 06 min
